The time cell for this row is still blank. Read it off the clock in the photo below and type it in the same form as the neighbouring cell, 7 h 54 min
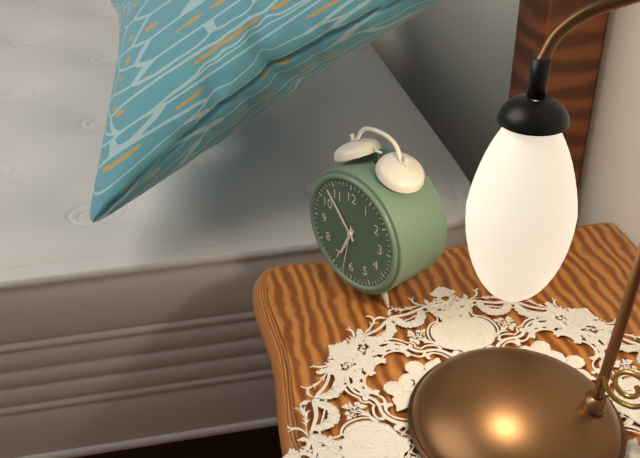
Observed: 6 h 53 min
